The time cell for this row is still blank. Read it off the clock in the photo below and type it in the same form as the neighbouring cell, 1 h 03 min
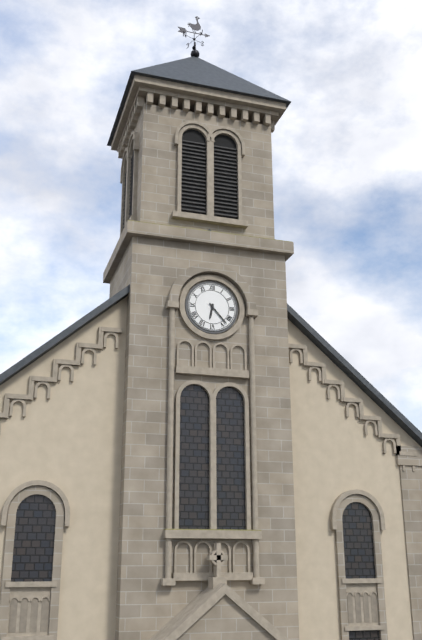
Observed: 6 h 23 min
